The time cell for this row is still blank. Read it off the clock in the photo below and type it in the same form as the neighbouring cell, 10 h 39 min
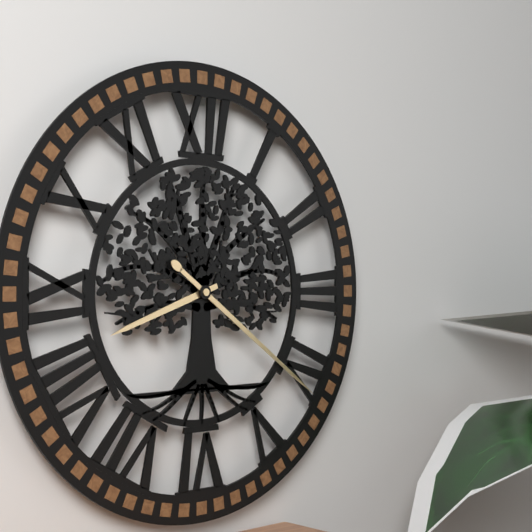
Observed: 8 h 21 min
